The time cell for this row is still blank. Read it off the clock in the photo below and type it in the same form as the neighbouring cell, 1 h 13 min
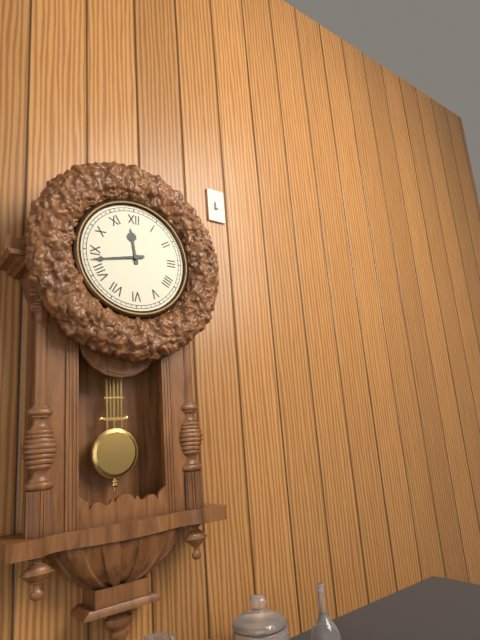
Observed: 11 h 43 min
